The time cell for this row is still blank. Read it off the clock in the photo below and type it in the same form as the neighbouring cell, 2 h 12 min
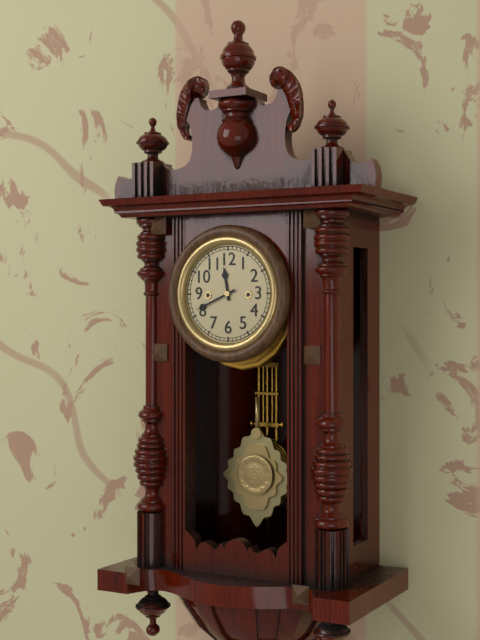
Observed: 11 h 41 min
